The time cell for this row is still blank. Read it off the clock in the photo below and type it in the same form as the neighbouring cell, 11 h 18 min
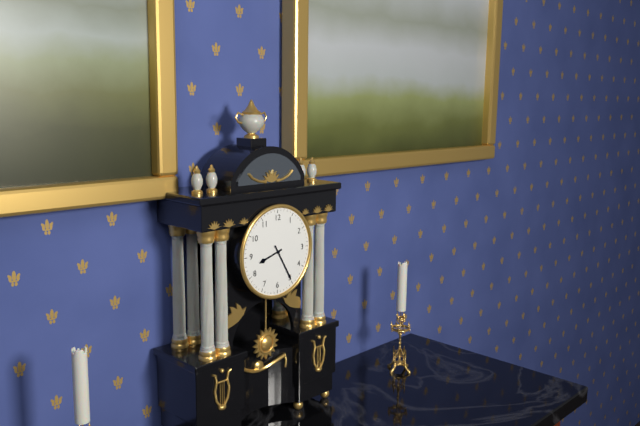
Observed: 8 h 25 min
